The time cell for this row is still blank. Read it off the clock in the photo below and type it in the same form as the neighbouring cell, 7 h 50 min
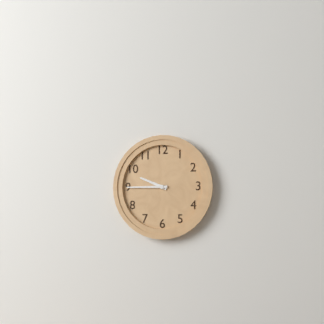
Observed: 9 h 45 min
